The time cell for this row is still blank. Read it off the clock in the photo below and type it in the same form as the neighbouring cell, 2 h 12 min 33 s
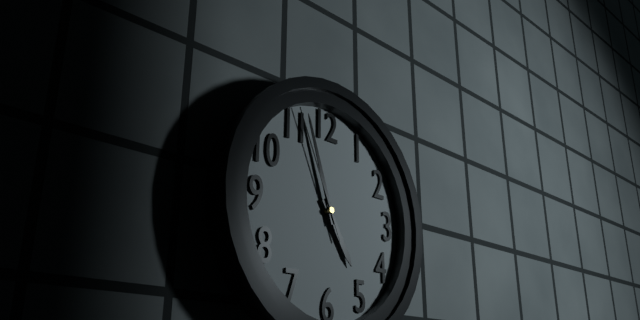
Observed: 4 h 57 min 56 s
